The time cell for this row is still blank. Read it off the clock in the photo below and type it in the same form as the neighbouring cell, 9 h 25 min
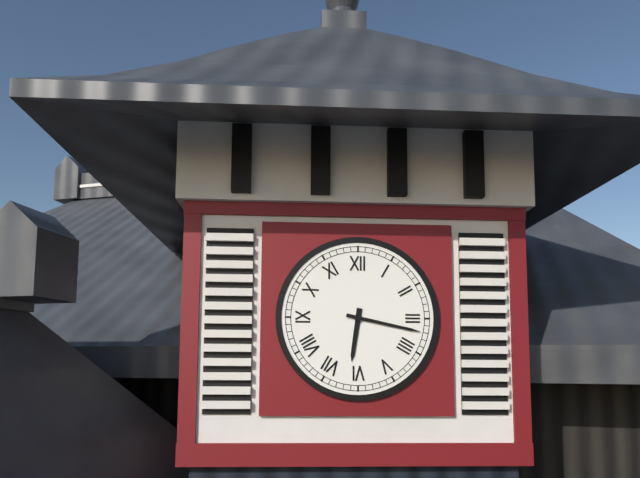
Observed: 6 h 17 min
